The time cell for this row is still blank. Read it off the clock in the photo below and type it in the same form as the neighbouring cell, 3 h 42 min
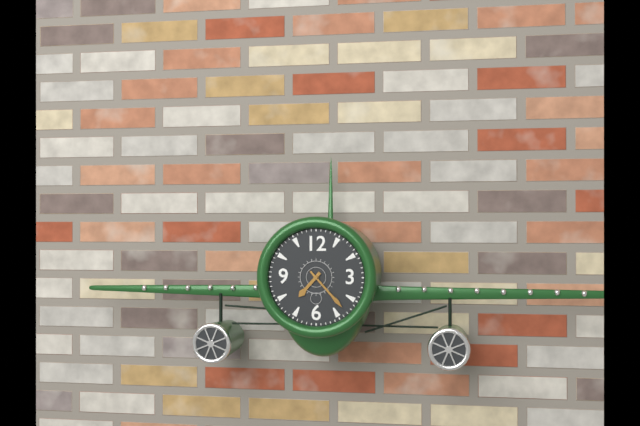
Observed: 7 h 23 min
